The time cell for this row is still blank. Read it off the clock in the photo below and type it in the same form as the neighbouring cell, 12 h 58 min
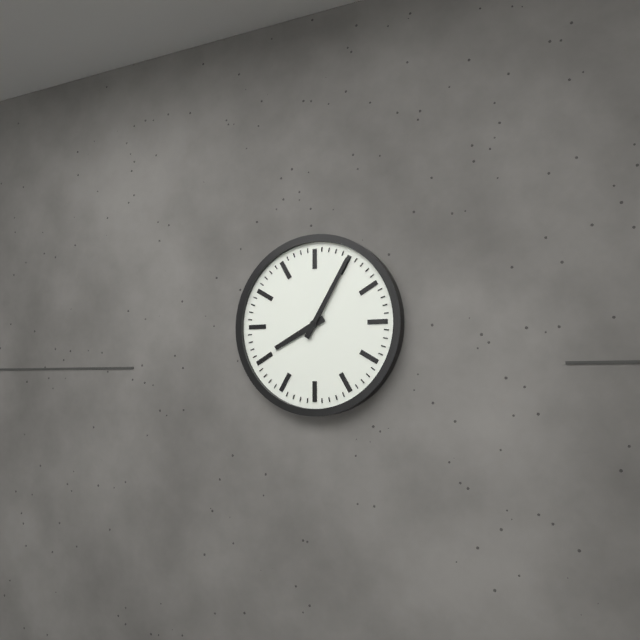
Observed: 8 h 05 min
